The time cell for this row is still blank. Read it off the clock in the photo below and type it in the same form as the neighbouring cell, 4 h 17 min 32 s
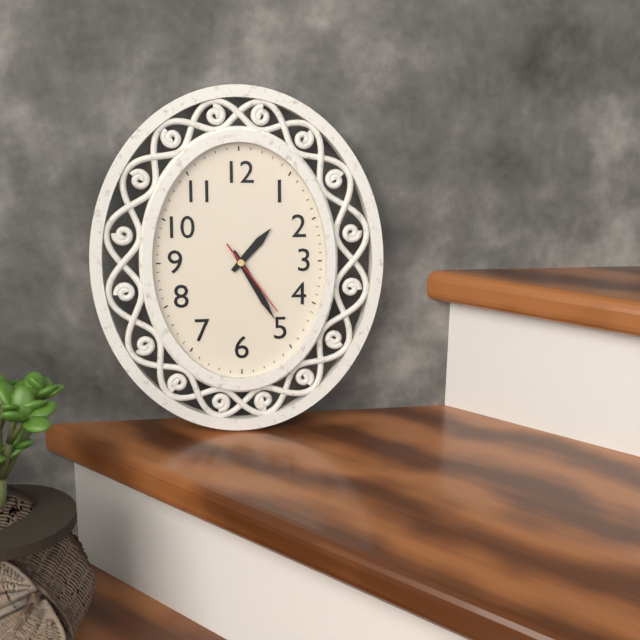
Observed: 1 h 25 min 24 s
